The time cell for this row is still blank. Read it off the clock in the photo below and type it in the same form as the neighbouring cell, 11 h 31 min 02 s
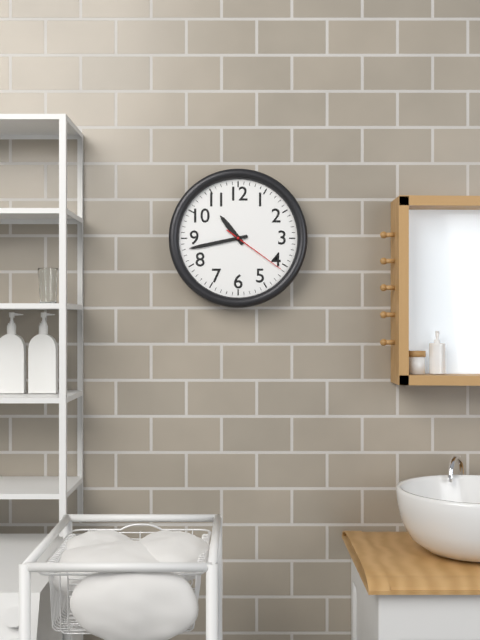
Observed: 10 h 43 min 21 s
